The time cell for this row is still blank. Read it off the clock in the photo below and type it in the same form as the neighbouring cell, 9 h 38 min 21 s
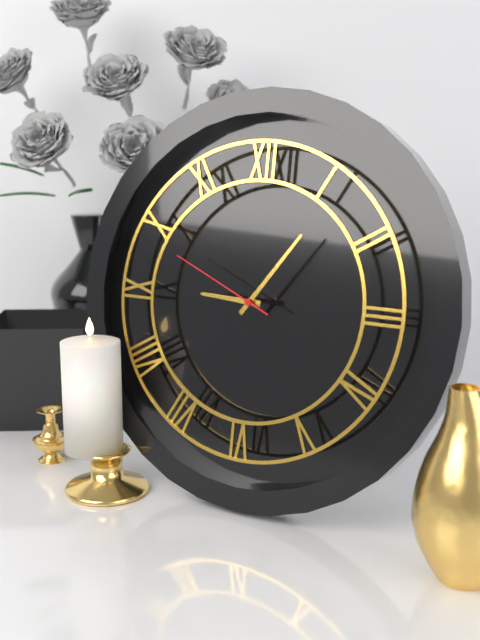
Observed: 9 h 06 min 49 s
